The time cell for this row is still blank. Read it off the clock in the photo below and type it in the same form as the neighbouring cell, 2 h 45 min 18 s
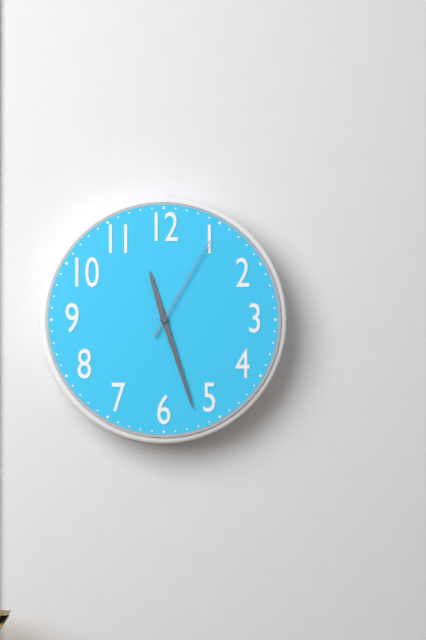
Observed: 11 h 27 min 05 s
